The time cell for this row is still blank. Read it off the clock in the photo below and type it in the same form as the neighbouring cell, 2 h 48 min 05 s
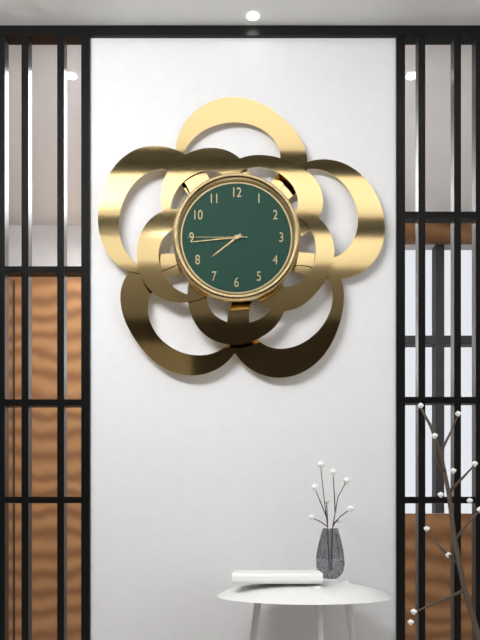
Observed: 7 h 44 min 45 s
